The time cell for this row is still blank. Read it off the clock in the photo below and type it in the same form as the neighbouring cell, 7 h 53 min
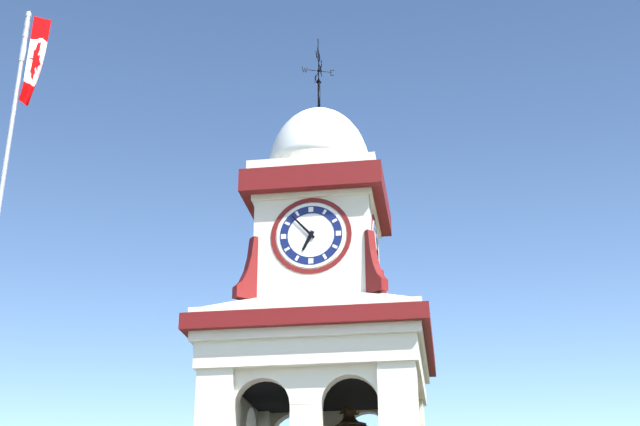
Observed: 6 h 53 min
